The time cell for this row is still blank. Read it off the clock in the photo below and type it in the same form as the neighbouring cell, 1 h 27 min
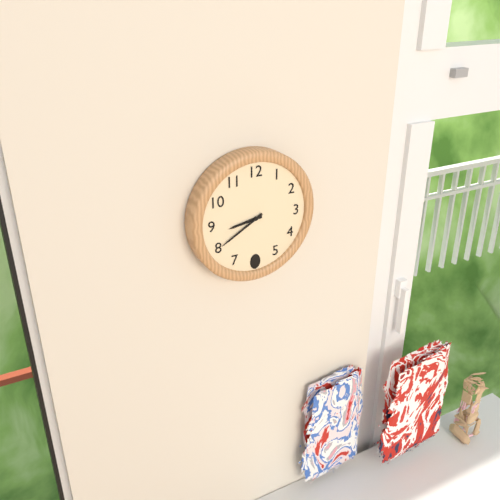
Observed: 8 h 40 min
